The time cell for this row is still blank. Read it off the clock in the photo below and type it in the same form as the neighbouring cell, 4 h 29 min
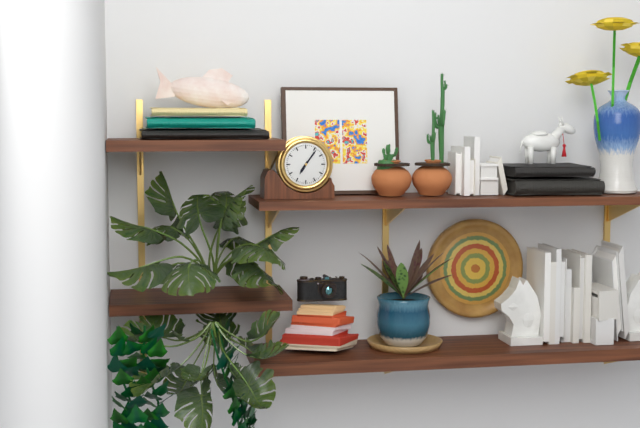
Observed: 7 h 06 min
